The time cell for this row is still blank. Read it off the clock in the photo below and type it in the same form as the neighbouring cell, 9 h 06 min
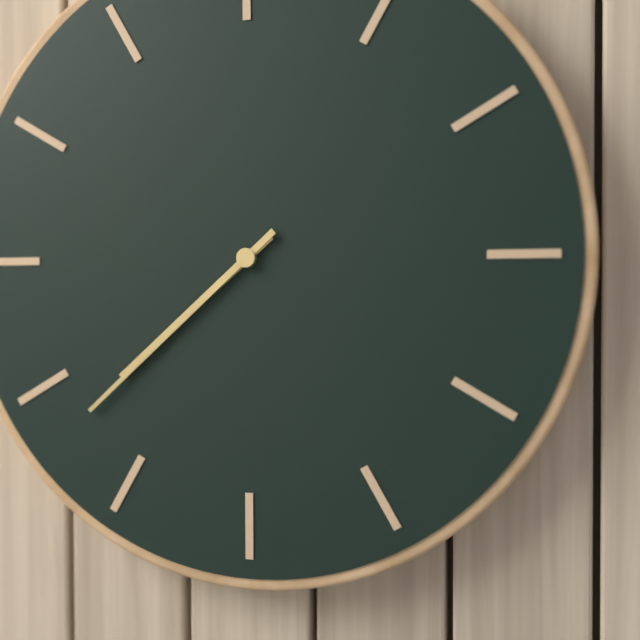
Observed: 7 h 38 min
